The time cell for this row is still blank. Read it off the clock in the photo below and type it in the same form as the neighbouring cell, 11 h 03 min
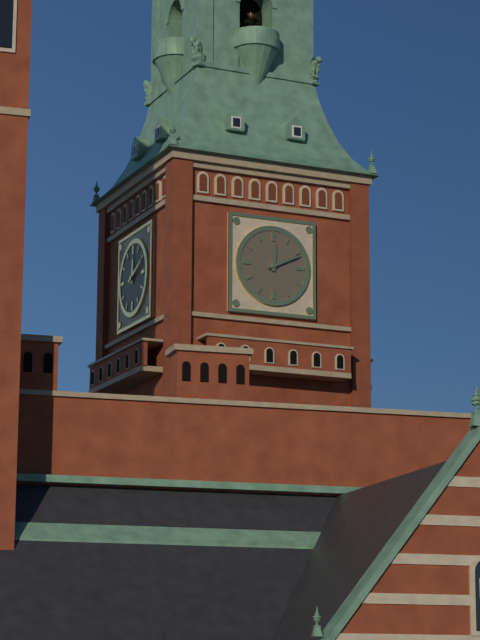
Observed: 12 h 11 min
